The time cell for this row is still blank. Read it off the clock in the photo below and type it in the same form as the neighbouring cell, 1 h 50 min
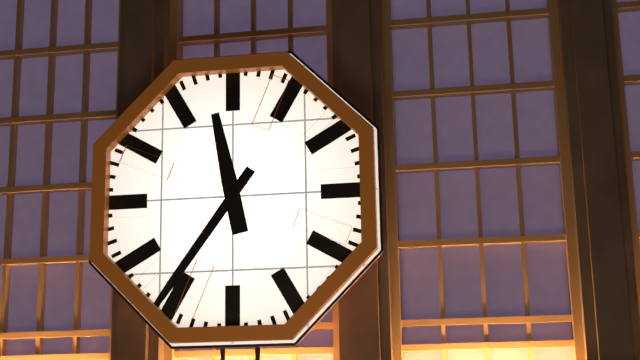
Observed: 11 h 36 min
